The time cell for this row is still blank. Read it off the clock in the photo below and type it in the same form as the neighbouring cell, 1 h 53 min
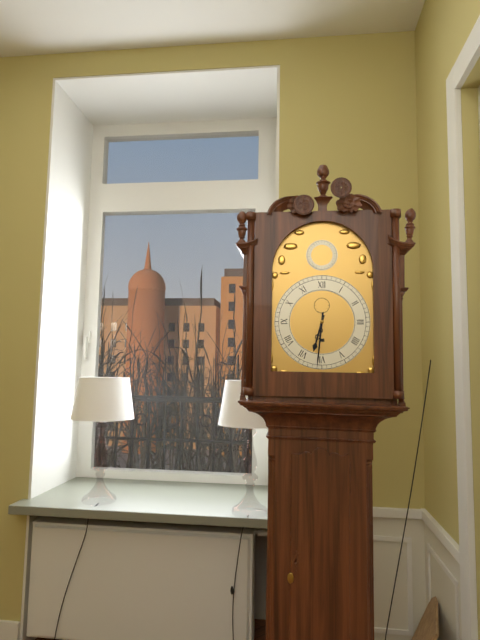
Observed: 6 h 31 min
